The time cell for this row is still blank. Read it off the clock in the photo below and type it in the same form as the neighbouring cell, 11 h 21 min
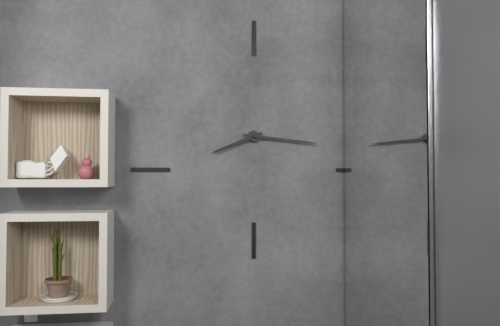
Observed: 8 h 16 min
